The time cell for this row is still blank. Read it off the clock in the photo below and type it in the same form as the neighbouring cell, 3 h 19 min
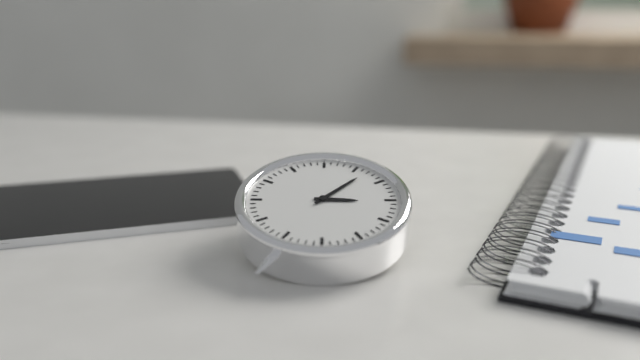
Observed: 3 h 07 min
